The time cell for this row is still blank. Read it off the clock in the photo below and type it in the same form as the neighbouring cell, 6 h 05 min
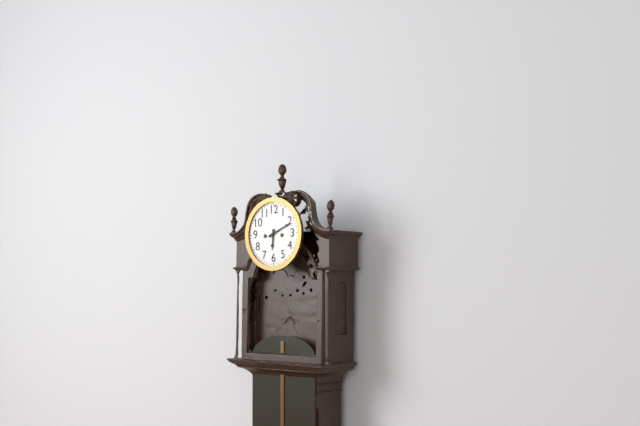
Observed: 6 h 11 min
